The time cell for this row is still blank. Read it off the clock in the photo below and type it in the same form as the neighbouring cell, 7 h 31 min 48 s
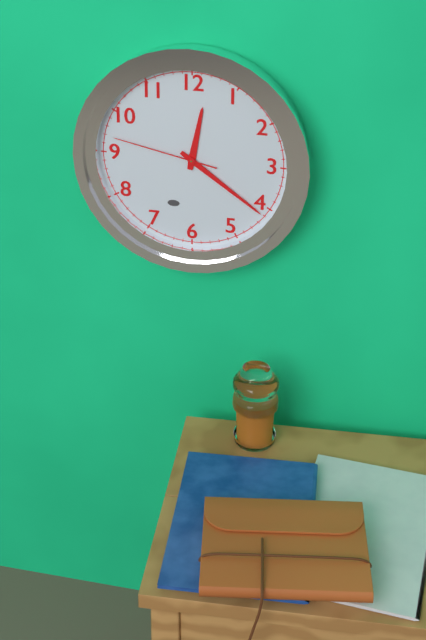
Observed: 12 h 21 min 47 s
